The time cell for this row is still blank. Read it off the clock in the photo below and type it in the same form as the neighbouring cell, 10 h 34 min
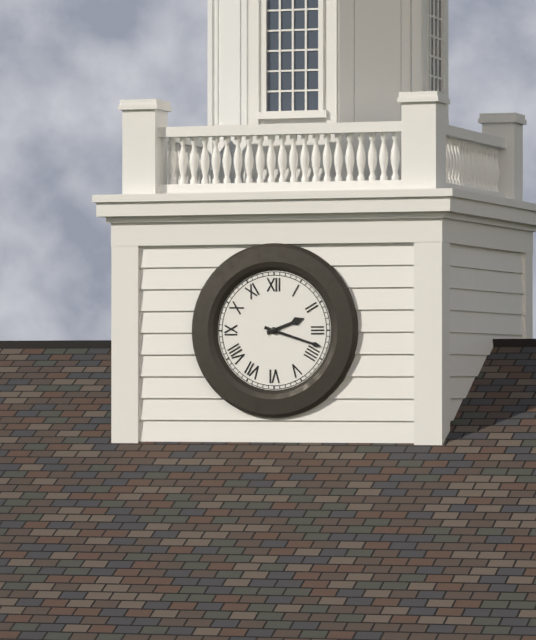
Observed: 2 h 18 min
